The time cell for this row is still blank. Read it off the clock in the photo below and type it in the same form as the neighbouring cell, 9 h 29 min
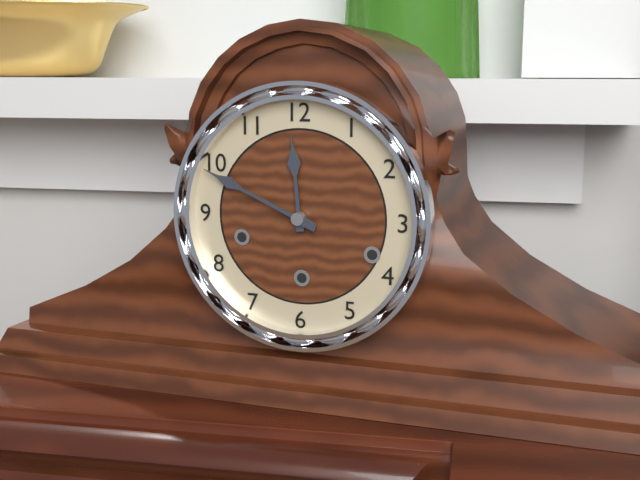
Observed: 11 h 49 min
